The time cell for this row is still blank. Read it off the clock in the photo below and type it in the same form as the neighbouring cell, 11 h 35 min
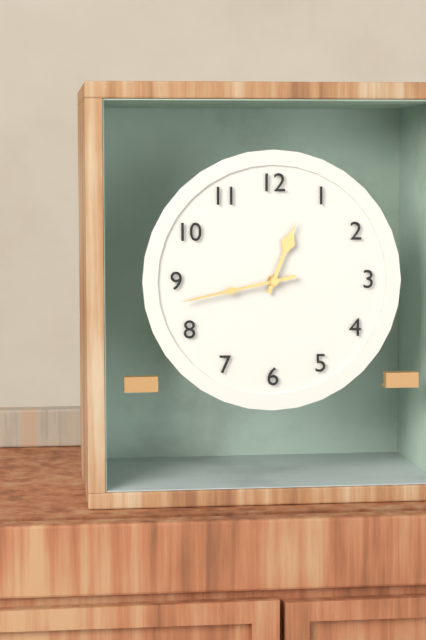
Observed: 12 h 43 min
